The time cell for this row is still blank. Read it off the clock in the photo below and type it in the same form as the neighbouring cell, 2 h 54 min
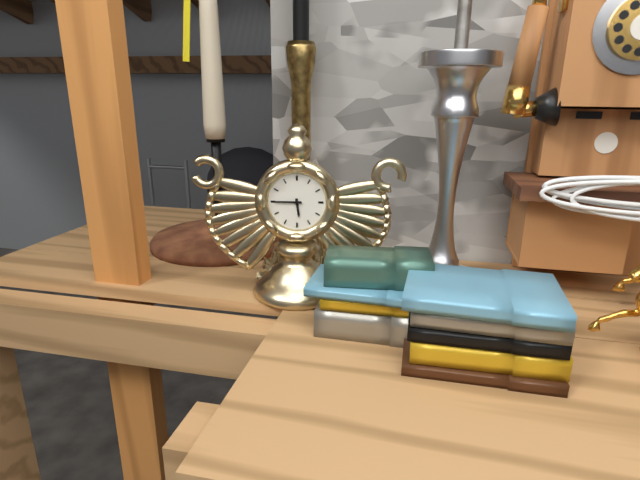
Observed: 5 h 45 min
